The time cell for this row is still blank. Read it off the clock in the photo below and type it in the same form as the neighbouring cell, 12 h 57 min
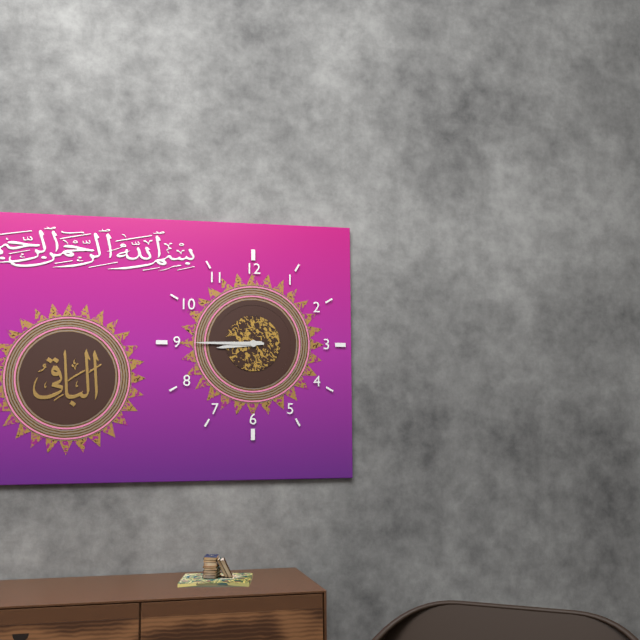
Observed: 8 h 45 min
